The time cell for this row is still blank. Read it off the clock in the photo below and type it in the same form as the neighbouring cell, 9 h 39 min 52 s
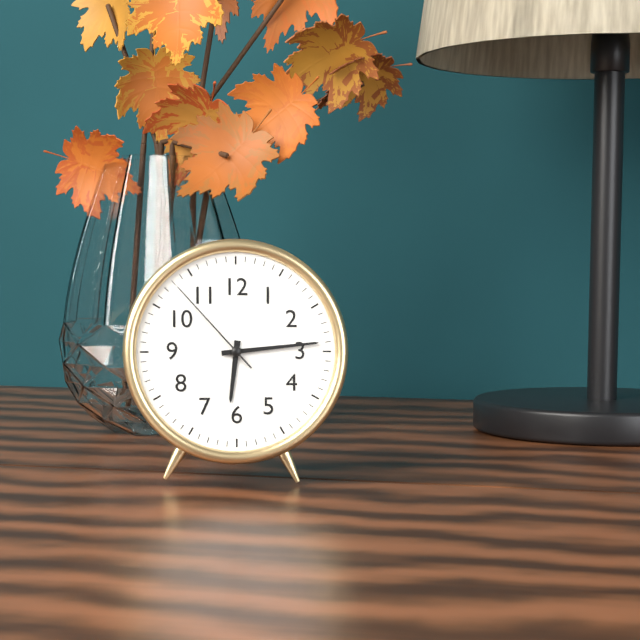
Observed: 6 h 14 min 53 s
